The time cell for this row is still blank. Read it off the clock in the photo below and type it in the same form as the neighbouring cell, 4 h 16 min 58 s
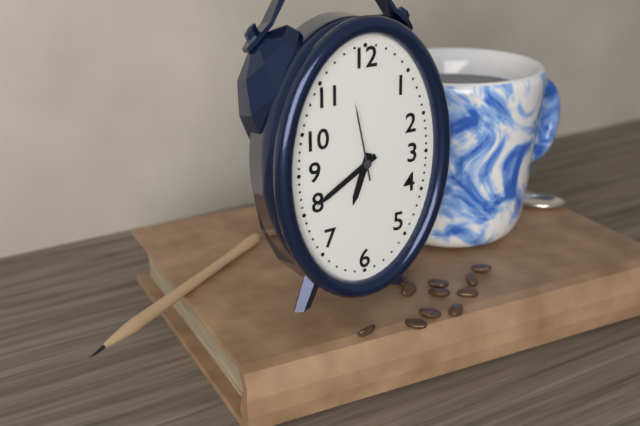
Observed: 6 h 40 min 58 s
